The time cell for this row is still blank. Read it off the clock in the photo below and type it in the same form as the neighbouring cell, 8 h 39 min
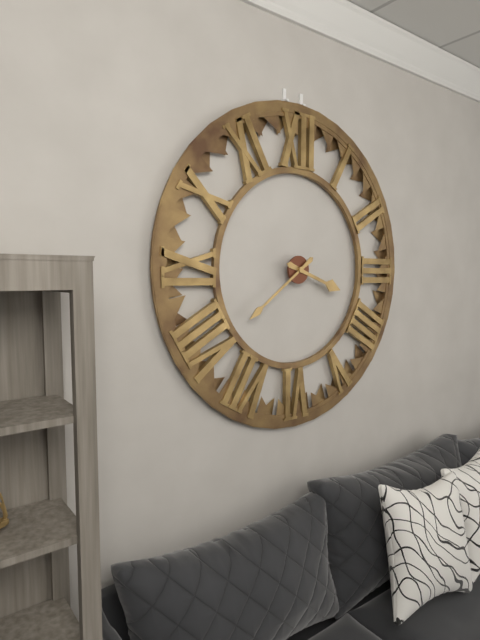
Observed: 3 h 39 min
